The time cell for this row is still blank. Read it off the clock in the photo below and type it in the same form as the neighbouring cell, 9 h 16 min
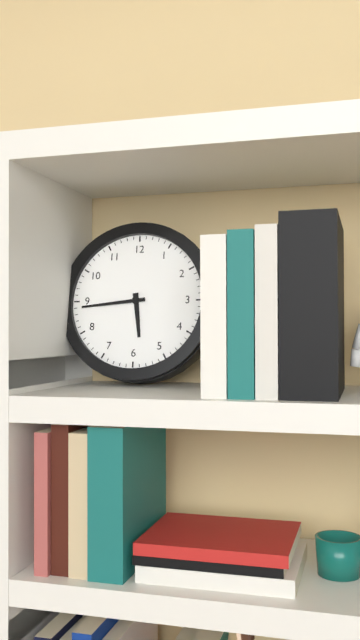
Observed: 5 h 44 min
